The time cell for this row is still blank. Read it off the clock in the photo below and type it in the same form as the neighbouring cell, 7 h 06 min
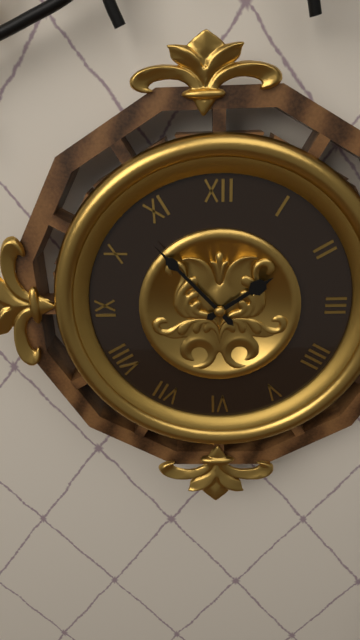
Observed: 1 h 53 min
